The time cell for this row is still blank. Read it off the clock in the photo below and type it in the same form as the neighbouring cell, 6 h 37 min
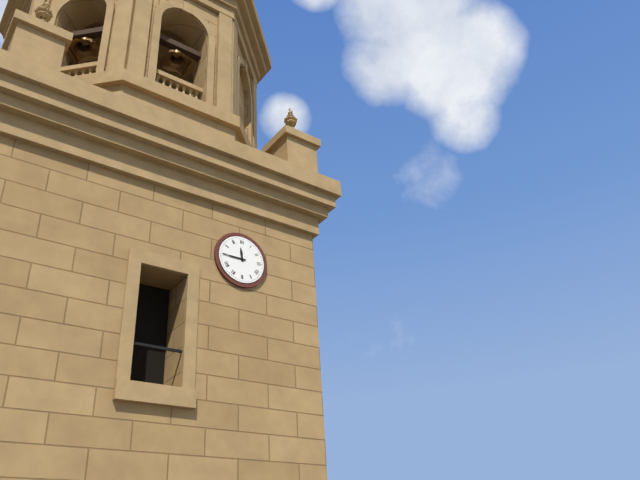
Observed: 11 h 45 min
